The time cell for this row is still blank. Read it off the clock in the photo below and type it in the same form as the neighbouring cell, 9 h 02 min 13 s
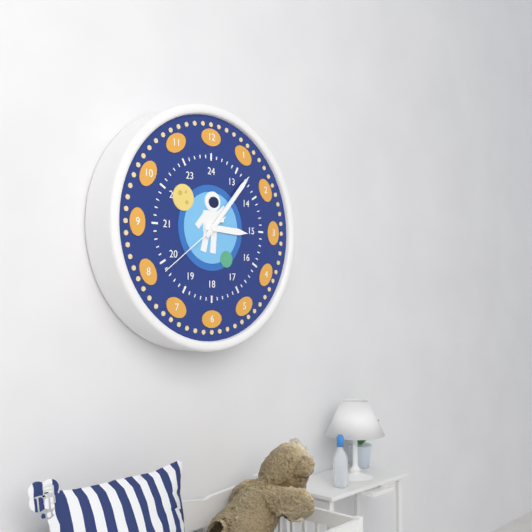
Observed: 3 h 07 min 39 s
